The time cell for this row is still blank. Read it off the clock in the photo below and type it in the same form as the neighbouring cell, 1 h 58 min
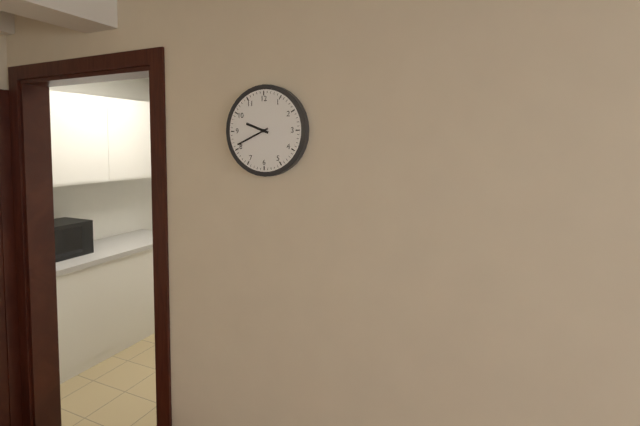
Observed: 9 h 41 min
